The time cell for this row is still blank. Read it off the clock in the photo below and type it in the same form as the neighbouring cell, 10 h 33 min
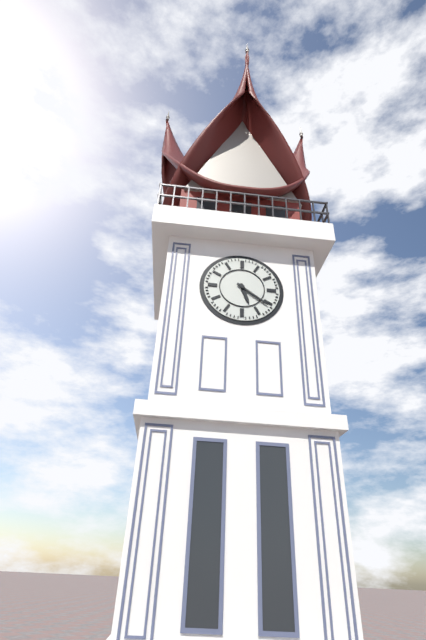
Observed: 5 h 21 min
